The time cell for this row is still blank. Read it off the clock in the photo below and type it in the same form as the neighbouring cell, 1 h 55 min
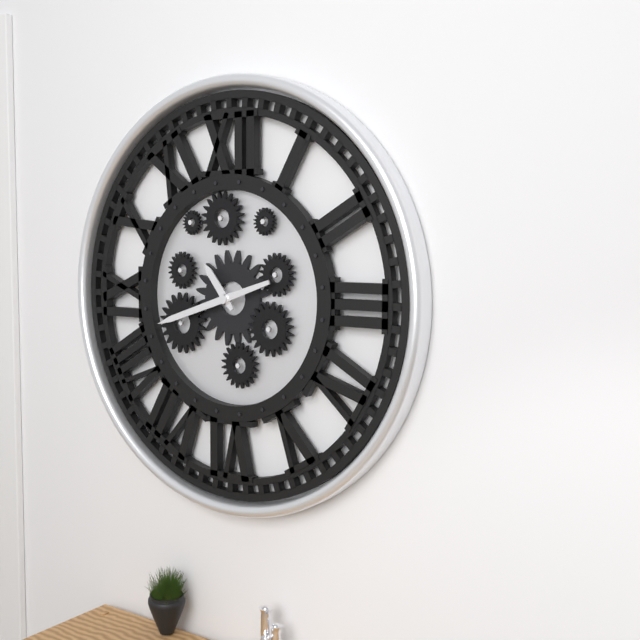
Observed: 10 h 42 min
